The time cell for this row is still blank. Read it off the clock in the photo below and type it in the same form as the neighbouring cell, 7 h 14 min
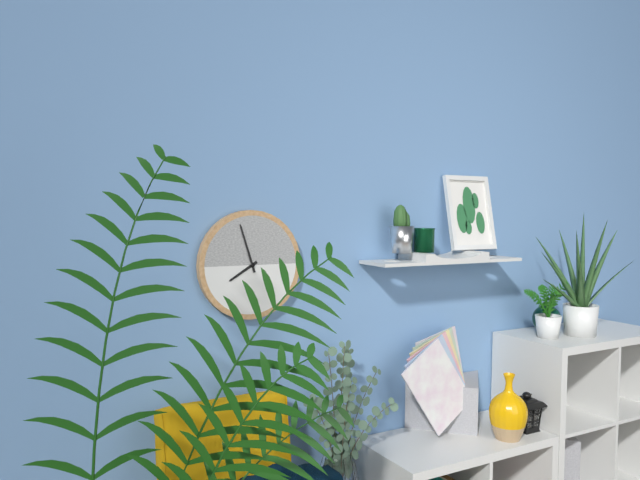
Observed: 7 h 57 min
